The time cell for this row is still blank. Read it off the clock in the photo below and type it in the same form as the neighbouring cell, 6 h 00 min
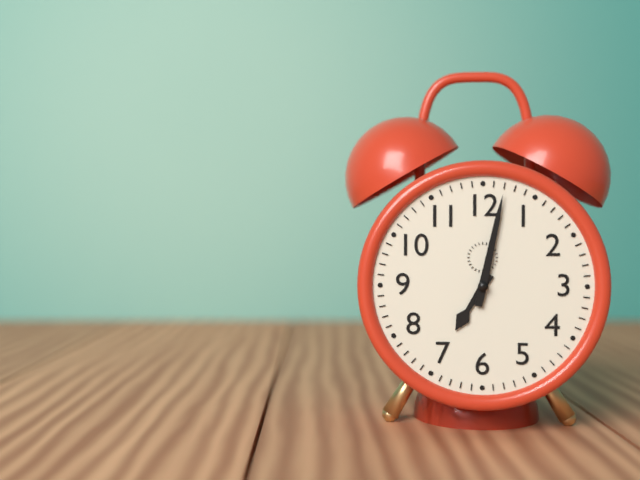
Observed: 7 h 02 min
